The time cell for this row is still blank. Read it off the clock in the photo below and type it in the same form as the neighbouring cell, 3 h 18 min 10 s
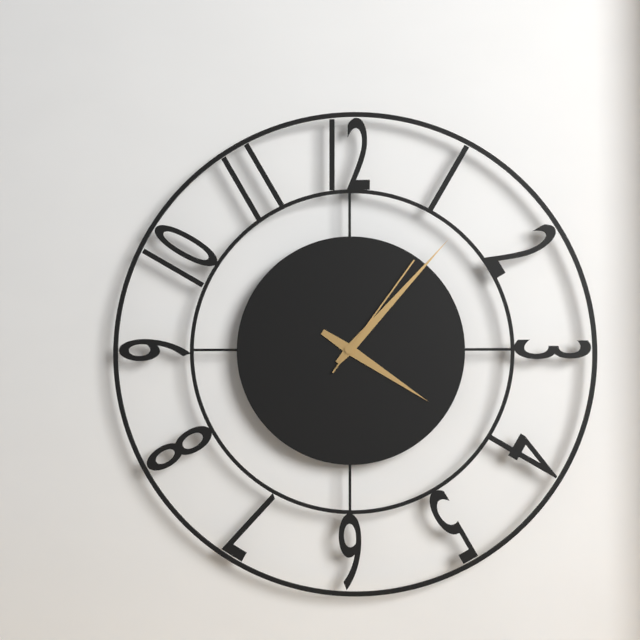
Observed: 4 h 07 min 06 s
